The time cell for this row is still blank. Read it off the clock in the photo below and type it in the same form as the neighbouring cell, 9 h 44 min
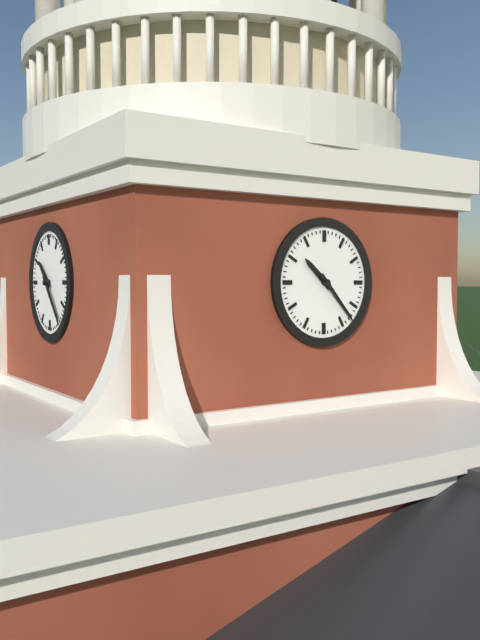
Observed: 10 h 23 min
